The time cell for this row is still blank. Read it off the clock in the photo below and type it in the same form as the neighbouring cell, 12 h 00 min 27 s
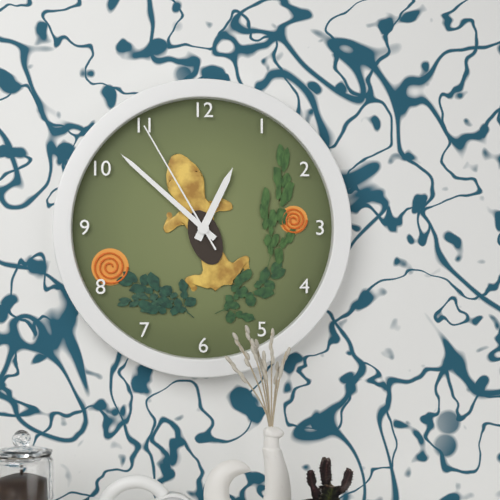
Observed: 12 h 52 min 55 s
